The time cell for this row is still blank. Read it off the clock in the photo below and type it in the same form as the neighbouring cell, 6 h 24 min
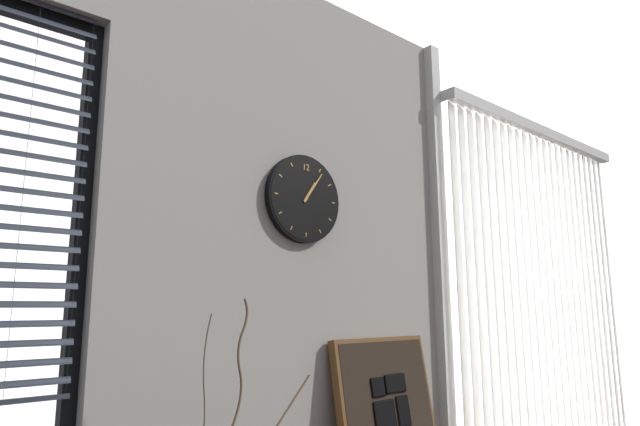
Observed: 1 h 06 min
